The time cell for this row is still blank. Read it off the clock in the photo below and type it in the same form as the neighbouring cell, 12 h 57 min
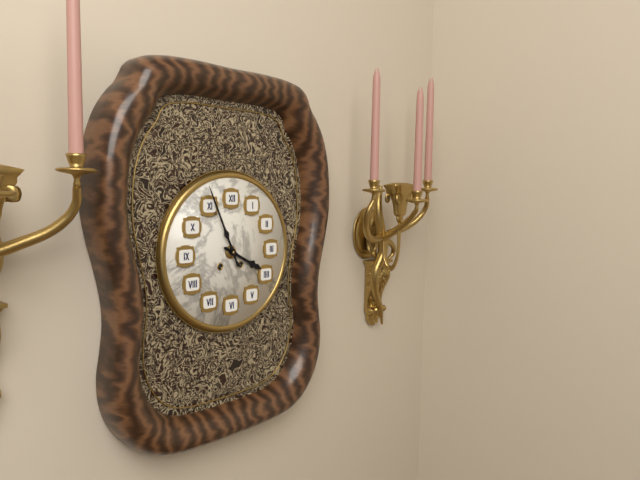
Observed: 3 h 56 min
